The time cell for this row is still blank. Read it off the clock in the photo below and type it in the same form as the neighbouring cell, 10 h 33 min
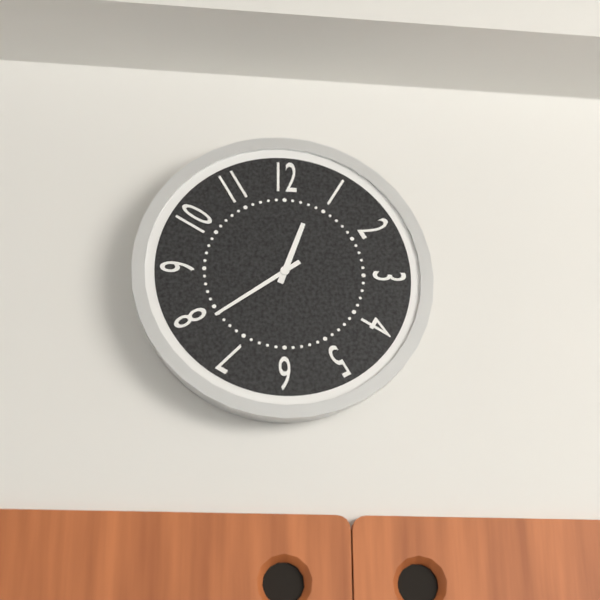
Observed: 12 h 39 min
